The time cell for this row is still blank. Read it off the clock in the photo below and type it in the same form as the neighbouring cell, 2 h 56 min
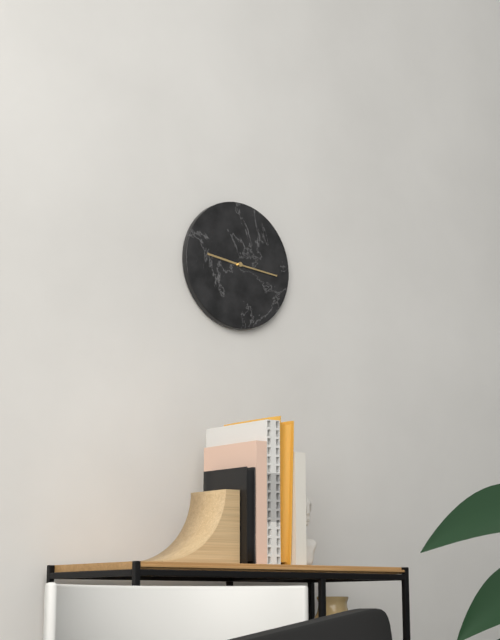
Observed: 9 h 16 min
